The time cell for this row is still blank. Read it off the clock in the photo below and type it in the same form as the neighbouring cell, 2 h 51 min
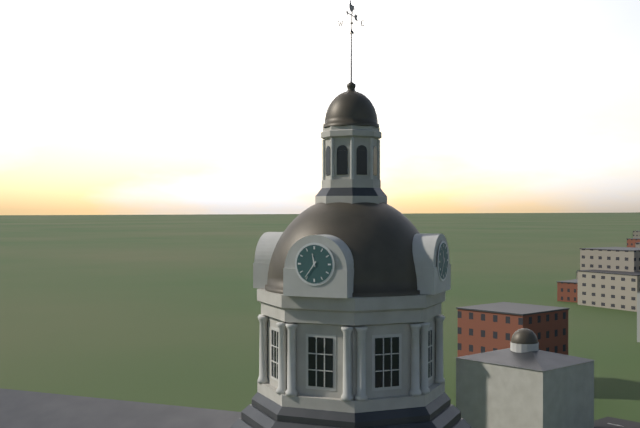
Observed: 11 h 36 min
